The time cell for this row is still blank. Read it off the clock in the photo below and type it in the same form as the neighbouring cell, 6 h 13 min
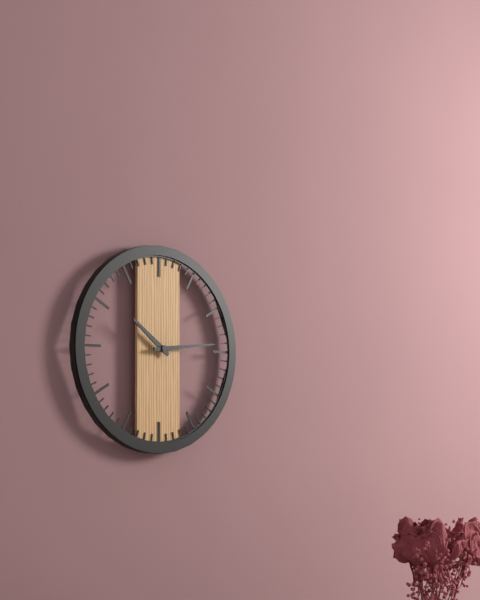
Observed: 10 h 14 min
